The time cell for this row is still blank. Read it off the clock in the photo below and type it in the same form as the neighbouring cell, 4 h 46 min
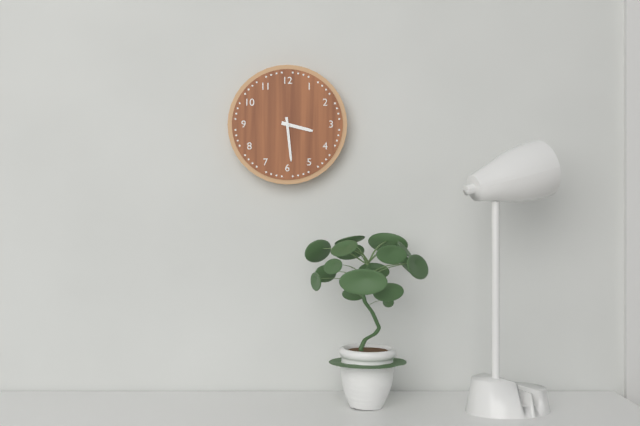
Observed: 3 h 29 min
